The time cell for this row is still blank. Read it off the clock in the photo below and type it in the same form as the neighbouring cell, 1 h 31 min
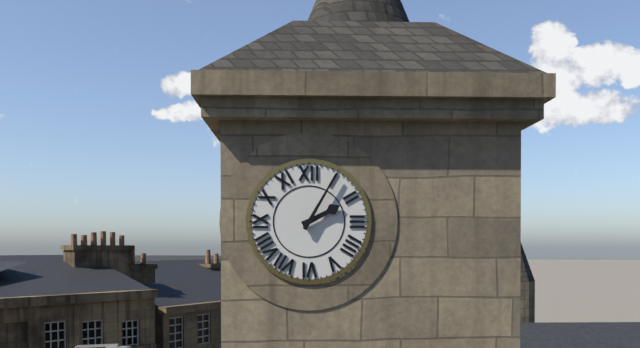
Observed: 2 h 05 min
